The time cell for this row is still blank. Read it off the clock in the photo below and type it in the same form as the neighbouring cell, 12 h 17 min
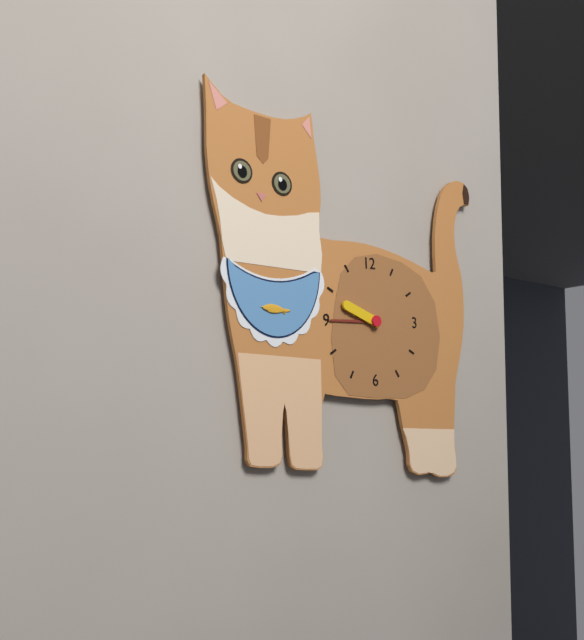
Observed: 9 h 45 min
